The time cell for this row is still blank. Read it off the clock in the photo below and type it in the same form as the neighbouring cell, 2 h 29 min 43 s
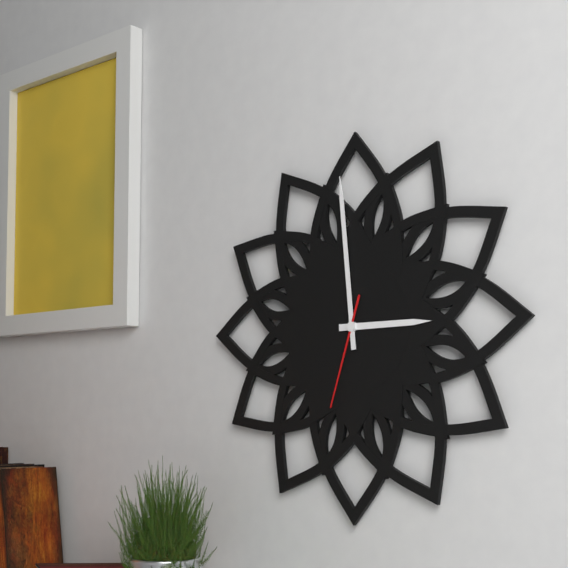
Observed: 2 h 59 min 33 s
